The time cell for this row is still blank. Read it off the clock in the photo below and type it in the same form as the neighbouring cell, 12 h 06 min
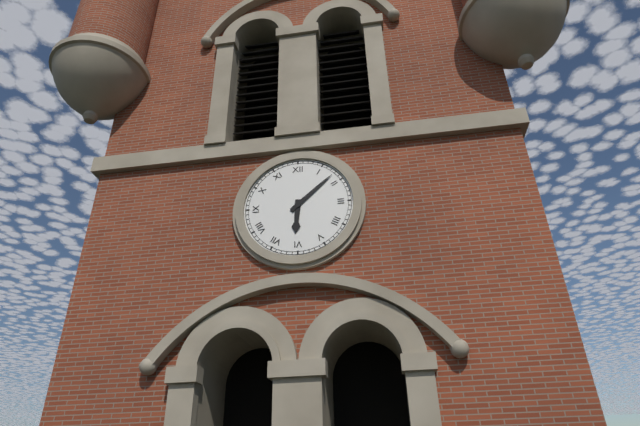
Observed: 6 h 08 min
